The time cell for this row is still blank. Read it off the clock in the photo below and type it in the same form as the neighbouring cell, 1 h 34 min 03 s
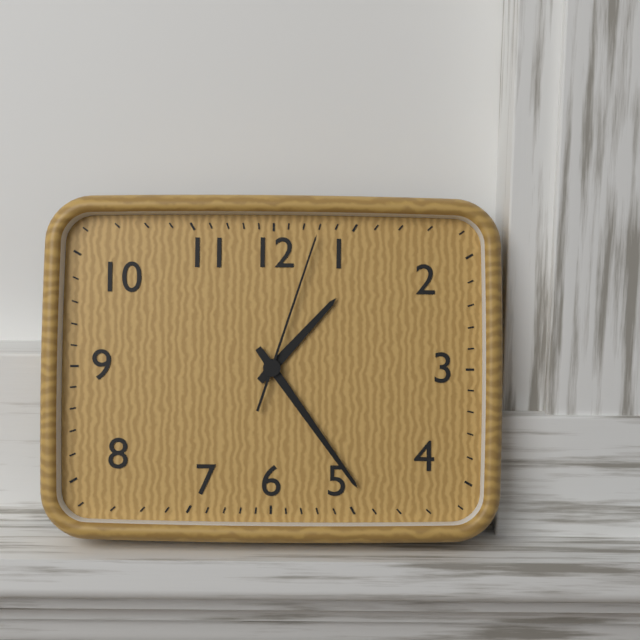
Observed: 1 h 24 min 03 s
